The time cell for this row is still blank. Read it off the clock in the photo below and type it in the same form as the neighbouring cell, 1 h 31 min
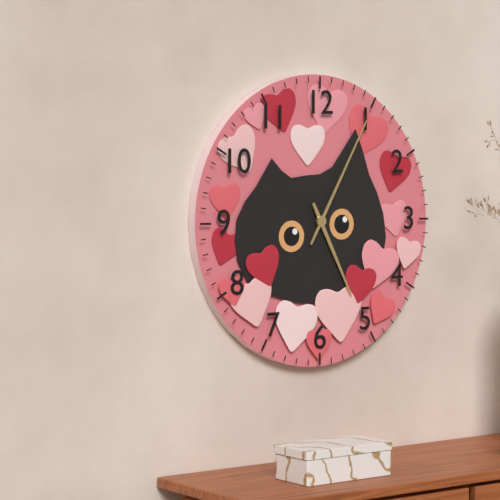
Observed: 5 h 05 min
